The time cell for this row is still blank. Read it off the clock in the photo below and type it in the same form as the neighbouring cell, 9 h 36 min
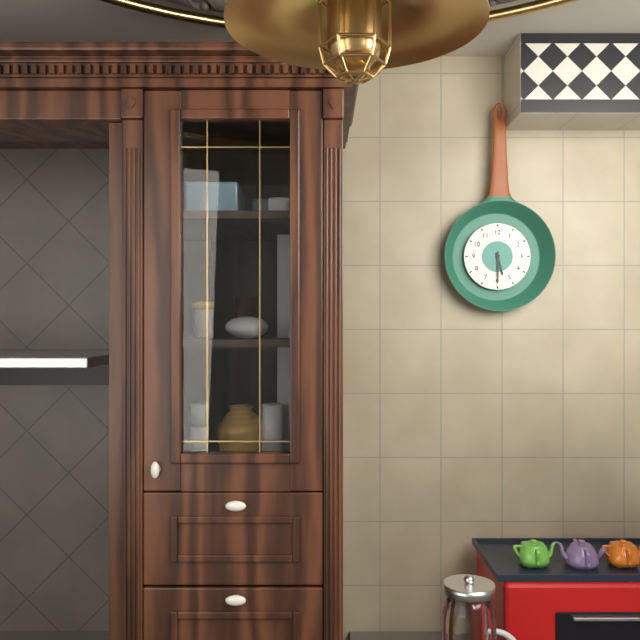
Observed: 5 h 30 min
